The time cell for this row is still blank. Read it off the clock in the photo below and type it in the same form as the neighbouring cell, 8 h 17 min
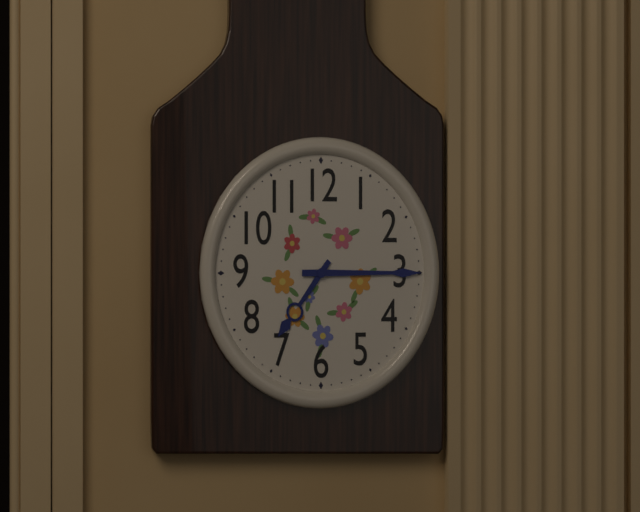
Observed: 7 h 15 min
